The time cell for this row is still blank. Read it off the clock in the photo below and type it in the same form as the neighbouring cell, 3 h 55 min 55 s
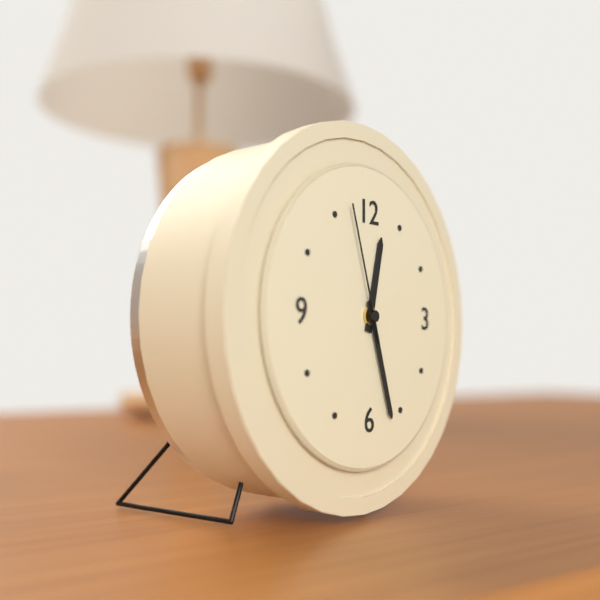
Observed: 12 h 27 min 57 s
